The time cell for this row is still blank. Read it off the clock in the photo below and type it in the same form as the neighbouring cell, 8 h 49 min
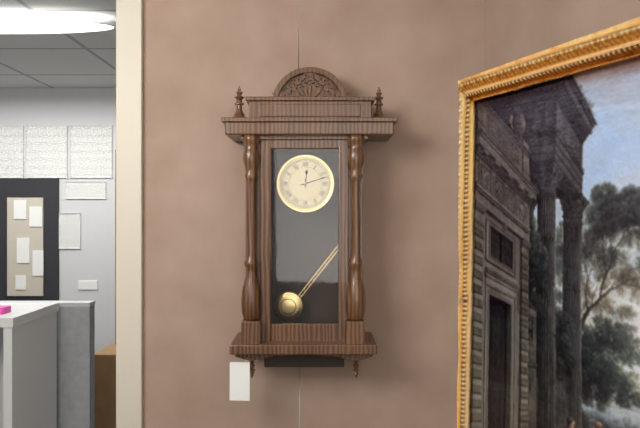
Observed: 12 h 12 min
